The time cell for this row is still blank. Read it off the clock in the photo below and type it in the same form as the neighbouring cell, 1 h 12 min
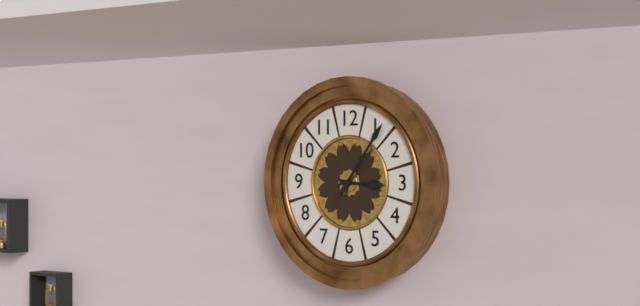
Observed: 3 h 06 min
